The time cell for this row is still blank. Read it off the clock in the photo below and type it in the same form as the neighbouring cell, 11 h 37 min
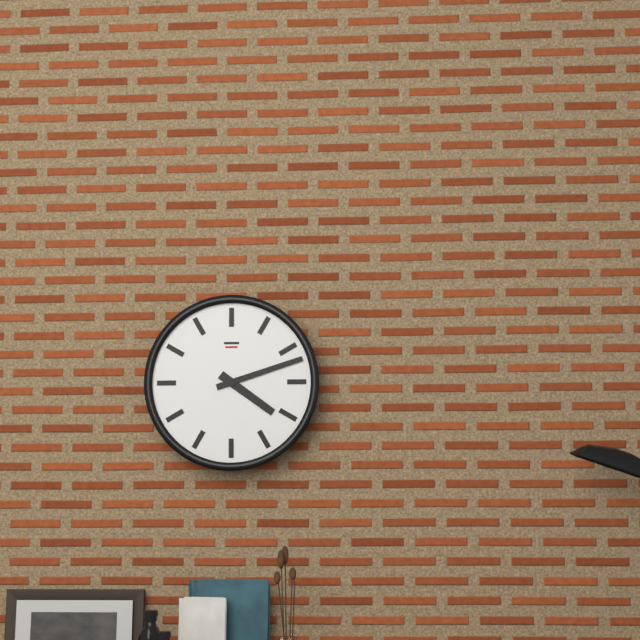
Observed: 4 h 12 min
